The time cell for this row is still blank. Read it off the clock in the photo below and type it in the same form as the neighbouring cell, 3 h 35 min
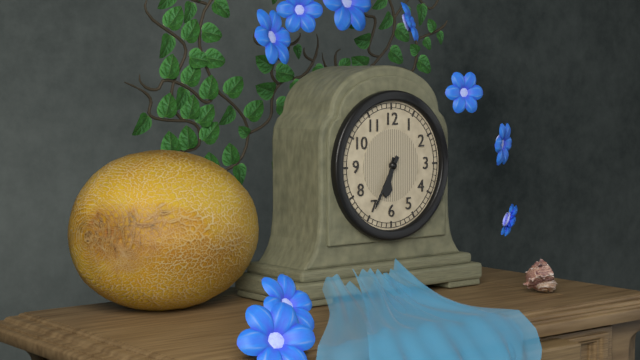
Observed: 6 h 35 min
